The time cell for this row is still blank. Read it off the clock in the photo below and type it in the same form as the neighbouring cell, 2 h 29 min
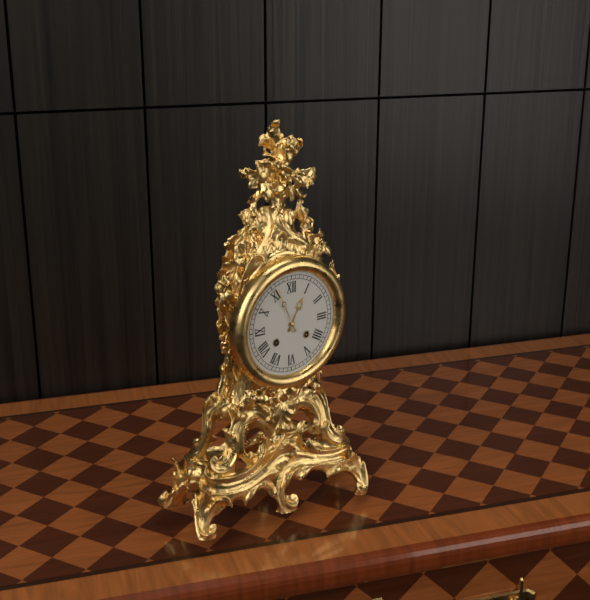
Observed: 12 h 56 min
